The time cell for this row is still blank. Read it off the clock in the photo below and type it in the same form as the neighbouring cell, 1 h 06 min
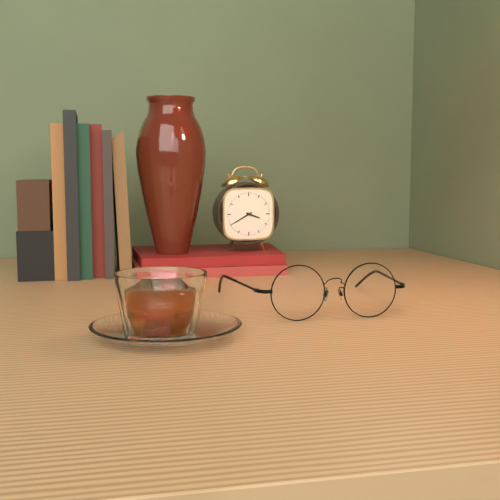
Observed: 3 h 40 min
